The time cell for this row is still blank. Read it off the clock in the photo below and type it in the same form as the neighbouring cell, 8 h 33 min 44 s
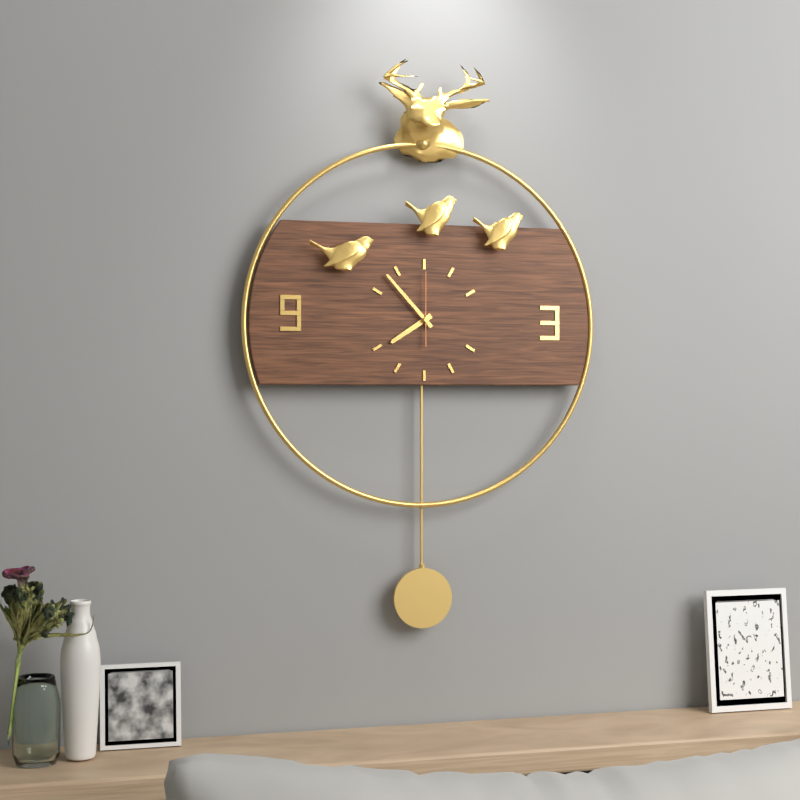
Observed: 7 h 53 min 00 s
